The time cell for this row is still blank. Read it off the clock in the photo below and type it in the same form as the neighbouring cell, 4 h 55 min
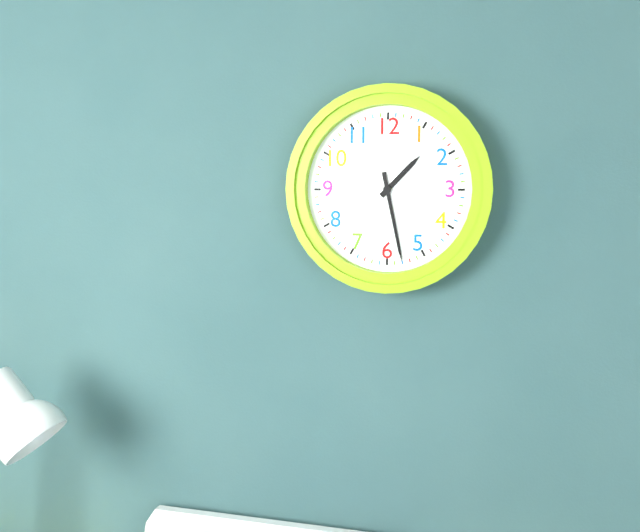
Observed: 1 h 28 min
